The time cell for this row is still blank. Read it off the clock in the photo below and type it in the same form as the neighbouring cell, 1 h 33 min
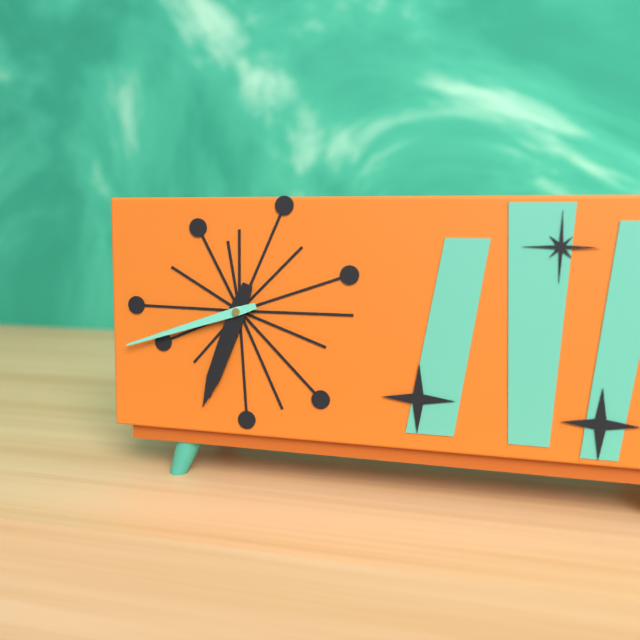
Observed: 6 h 42 min
